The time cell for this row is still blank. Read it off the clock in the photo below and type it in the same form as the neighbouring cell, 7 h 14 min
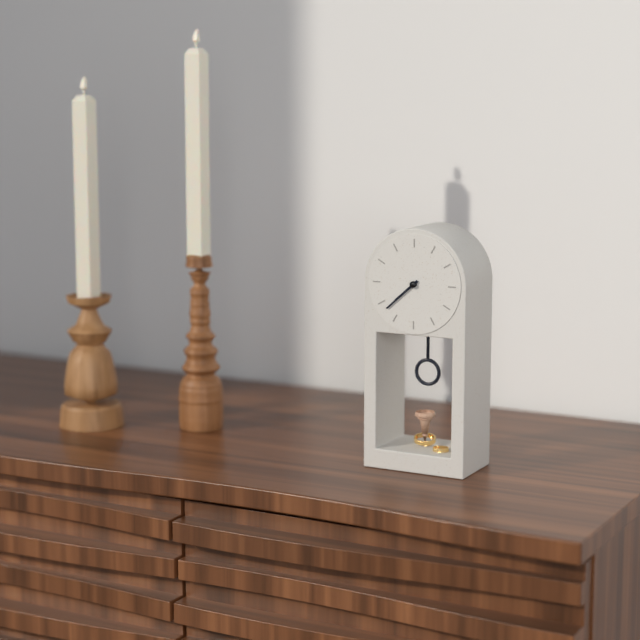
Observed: 7 h 38 min
